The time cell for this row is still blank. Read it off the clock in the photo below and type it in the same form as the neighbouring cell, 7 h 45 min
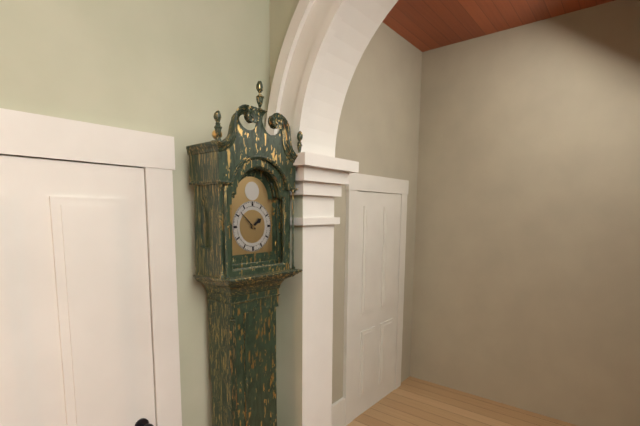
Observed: 1 h 52 min
